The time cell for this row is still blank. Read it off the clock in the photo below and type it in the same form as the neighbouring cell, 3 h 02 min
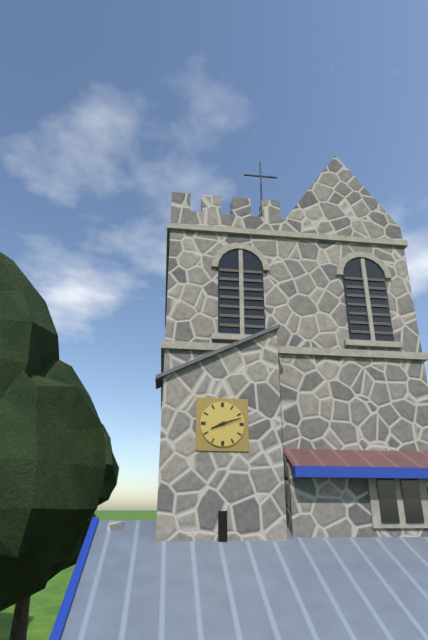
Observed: 8 h 12 min
